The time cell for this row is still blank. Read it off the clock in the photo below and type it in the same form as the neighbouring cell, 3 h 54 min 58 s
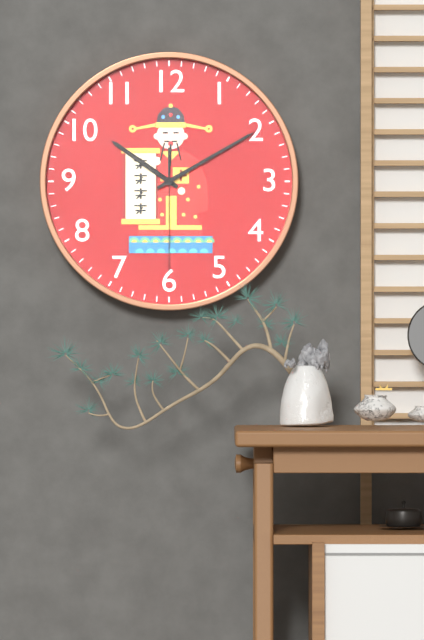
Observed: 10 h 10 min 30 s
